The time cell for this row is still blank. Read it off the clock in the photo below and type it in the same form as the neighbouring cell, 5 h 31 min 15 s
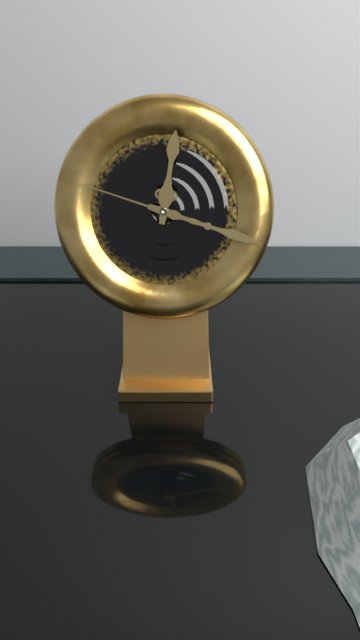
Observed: 12 h 18 min 48 s
